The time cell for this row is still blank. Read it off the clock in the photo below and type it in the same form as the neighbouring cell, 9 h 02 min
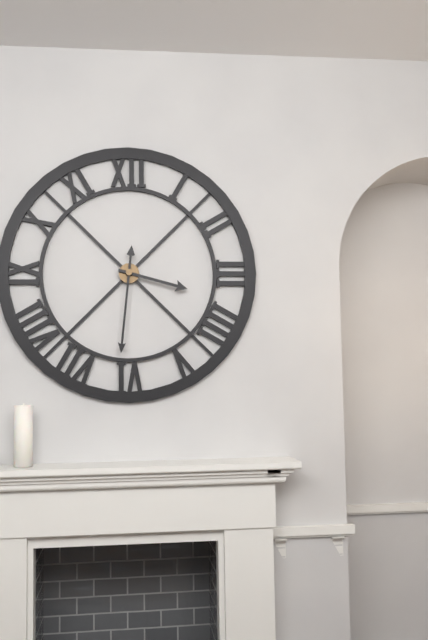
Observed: 3 h 31 min
